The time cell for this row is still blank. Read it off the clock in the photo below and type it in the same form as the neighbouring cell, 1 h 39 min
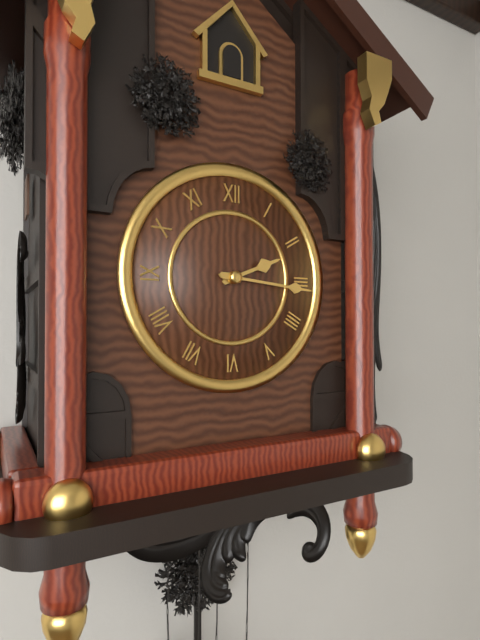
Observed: 2 h 16 min
